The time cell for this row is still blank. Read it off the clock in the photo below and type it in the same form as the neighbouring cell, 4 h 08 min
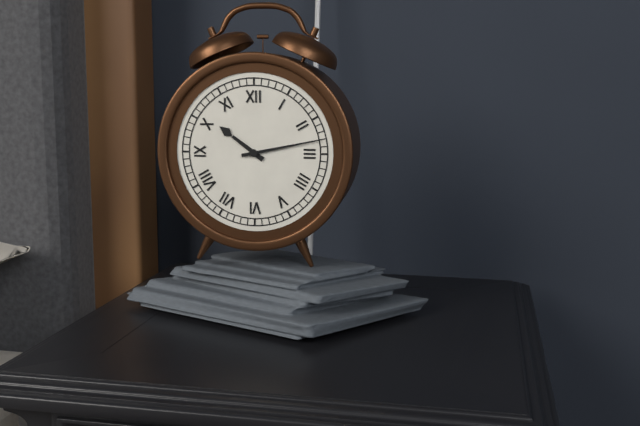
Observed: 10 h 13 min
